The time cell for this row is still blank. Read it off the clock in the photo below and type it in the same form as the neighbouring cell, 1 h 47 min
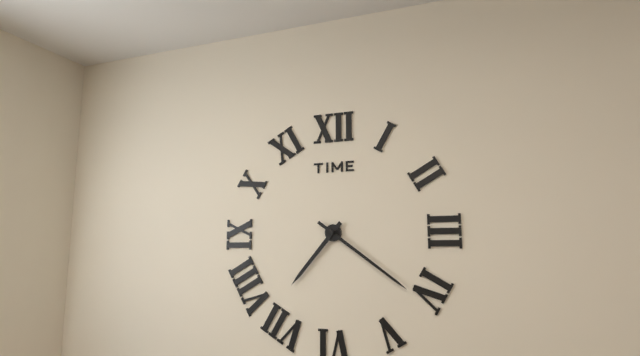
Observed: 7 h 21 min
